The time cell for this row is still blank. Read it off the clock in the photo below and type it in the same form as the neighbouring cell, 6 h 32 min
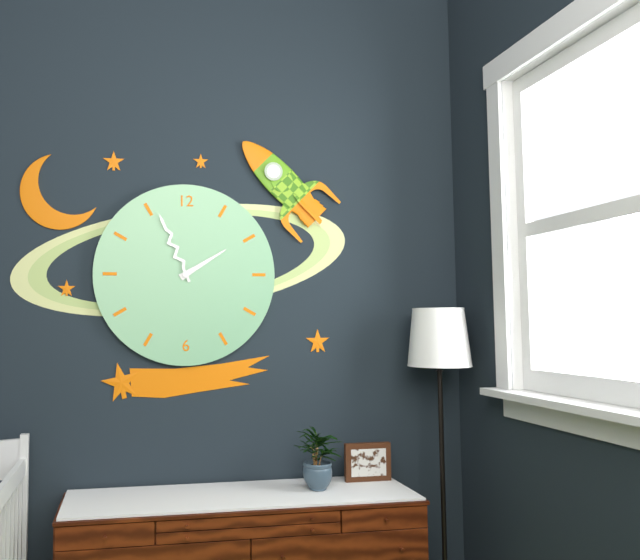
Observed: 1 h 56 min
